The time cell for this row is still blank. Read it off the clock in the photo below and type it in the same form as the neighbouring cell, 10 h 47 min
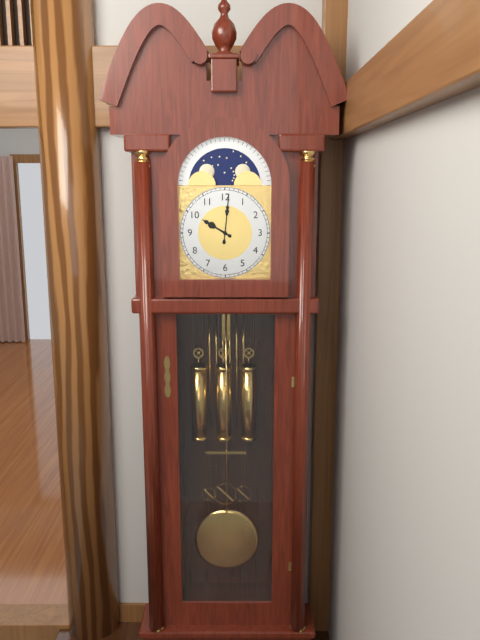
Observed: 10 h 01 min
